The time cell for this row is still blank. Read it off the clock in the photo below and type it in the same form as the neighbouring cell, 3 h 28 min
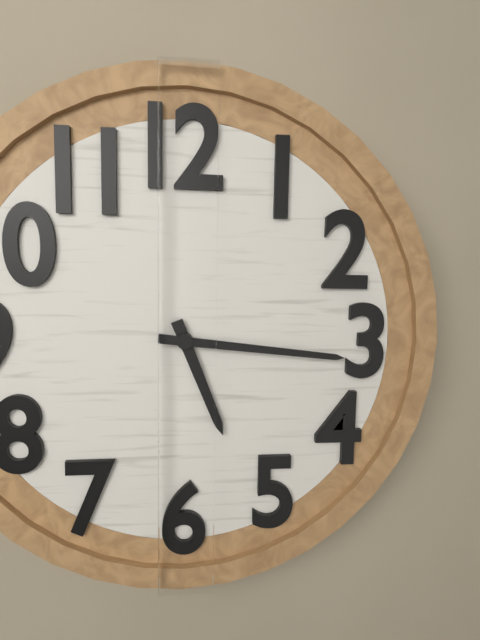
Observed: 5 h 16 min
